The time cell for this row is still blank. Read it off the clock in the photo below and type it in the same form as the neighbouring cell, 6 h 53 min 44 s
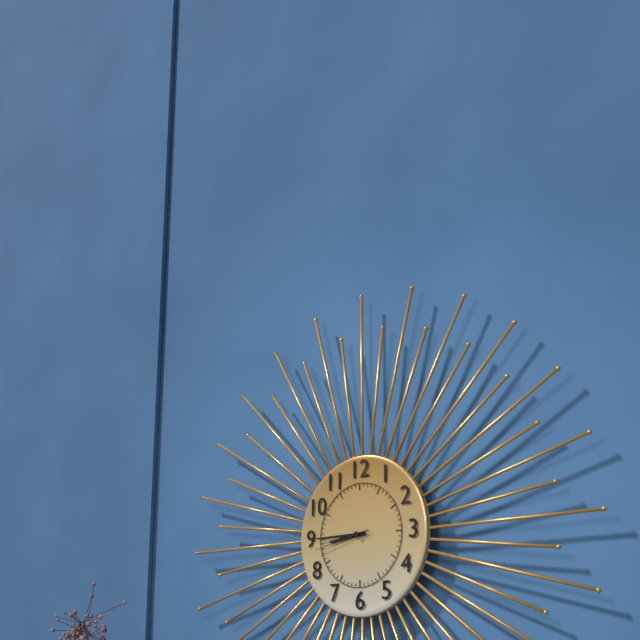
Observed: 8 h 45 min 43 s
